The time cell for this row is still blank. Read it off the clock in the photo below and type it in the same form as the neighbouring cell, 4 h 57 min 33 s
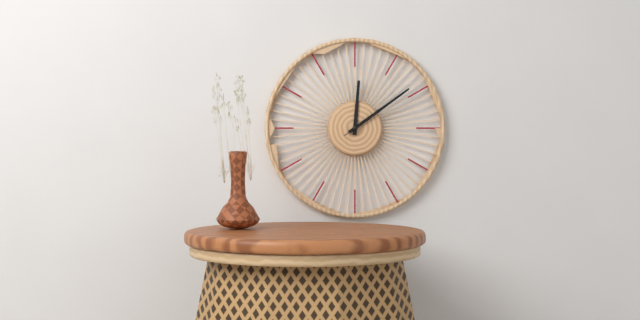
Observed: 12 h 09 min 09 s
